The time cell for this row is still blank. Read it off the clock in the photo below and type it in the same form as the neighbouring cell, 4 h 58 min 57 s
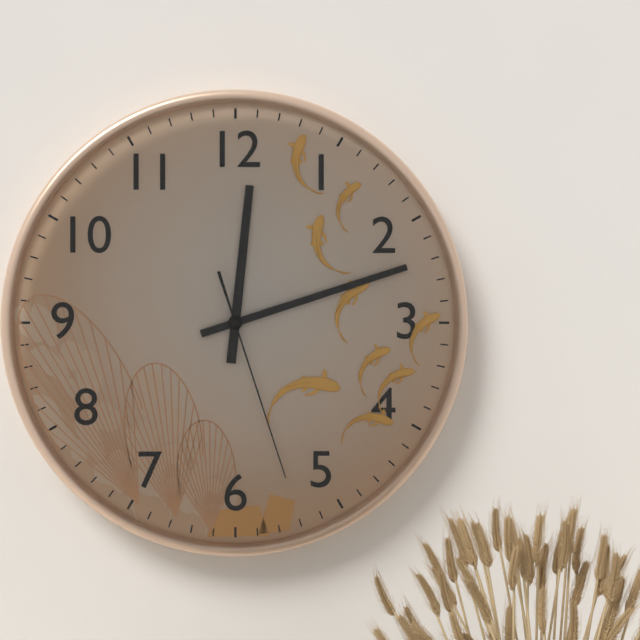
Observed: 12 h 12 min 27 s
